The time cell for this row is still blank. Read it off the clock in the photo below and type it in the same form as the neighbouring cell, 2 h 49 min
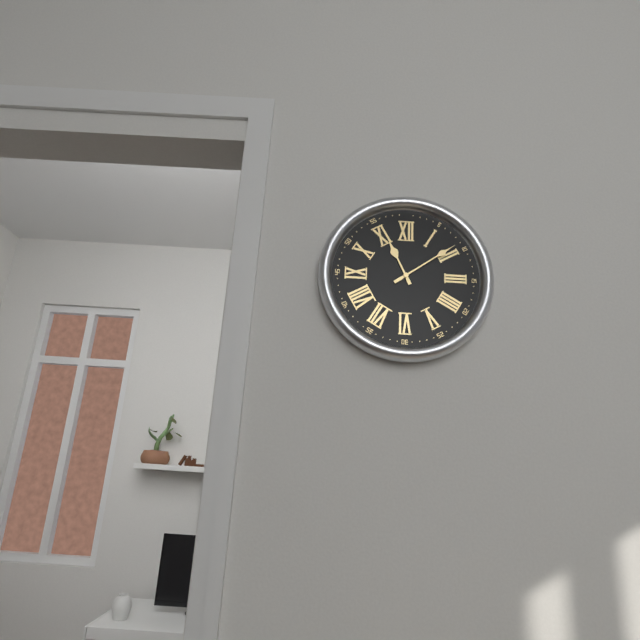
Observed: 11 h 09 min
